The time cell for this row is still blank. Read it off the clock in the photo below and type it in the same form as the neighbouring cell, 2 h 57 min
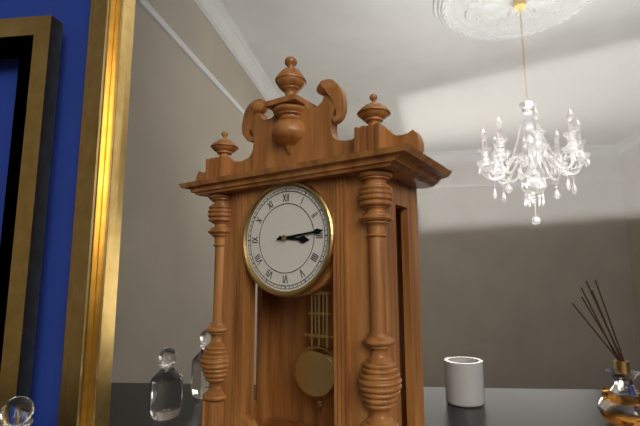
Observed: 3 h 14 min
